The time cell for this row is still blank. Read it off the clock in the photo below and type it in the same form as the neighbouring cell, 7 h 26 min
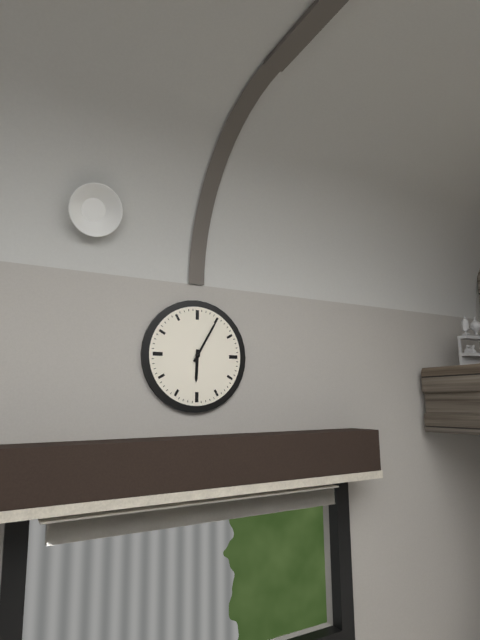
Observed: 6 h 05 min
